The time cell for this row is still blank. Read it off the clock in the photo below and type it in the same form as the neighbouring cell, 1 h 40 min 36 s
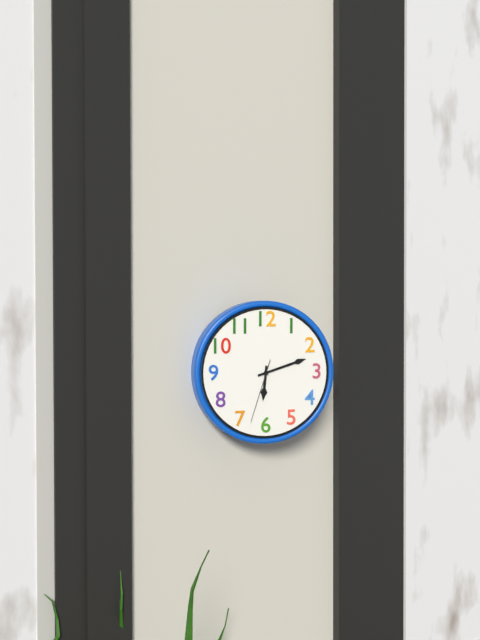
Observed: 6 h 12 min 33 s
